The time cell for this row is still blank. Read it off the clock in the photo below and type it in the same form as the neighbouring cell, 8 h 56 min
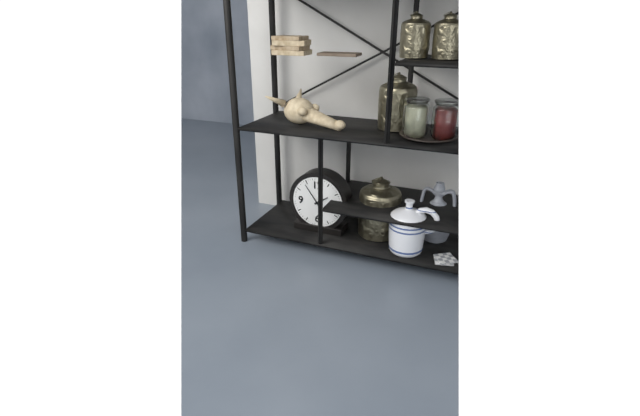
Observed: 1 h 54 min
